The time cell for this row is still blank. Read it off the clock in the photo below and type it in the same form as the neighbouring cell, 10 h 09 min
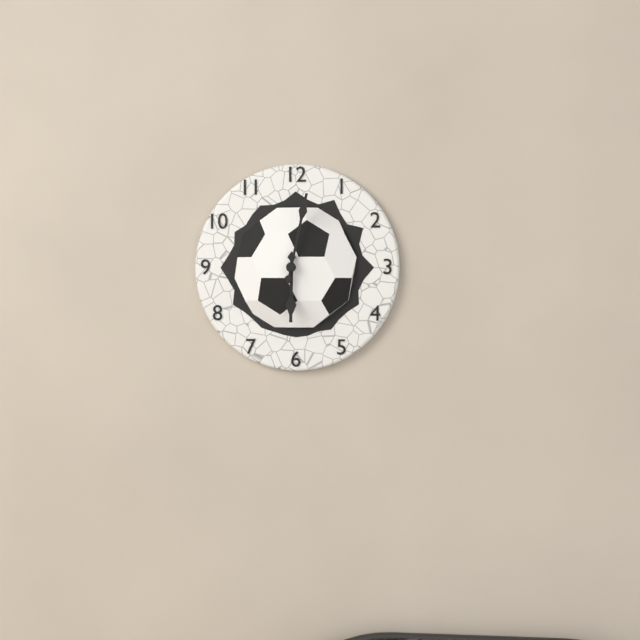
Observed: 6 h 02 min
